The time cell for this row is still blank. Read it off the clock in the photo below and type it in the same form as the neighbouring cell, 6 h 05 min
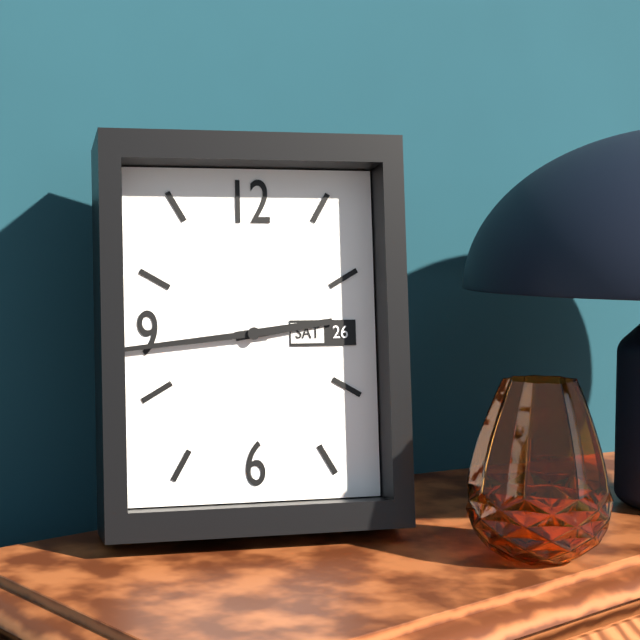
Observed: 2 h 44 min
